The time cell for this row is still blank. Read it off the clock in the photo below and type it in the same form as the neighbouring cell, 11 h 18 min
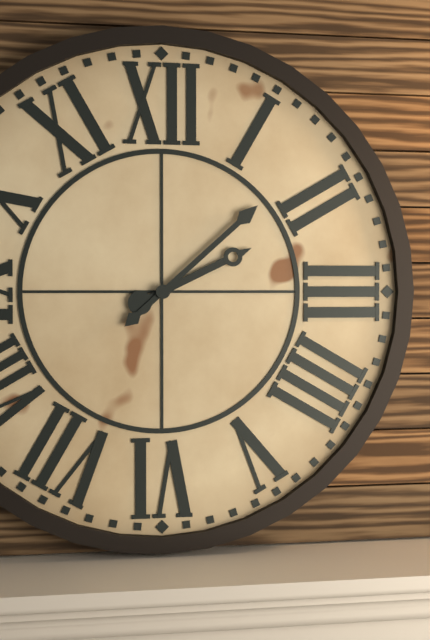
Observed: 2 h 08 min
